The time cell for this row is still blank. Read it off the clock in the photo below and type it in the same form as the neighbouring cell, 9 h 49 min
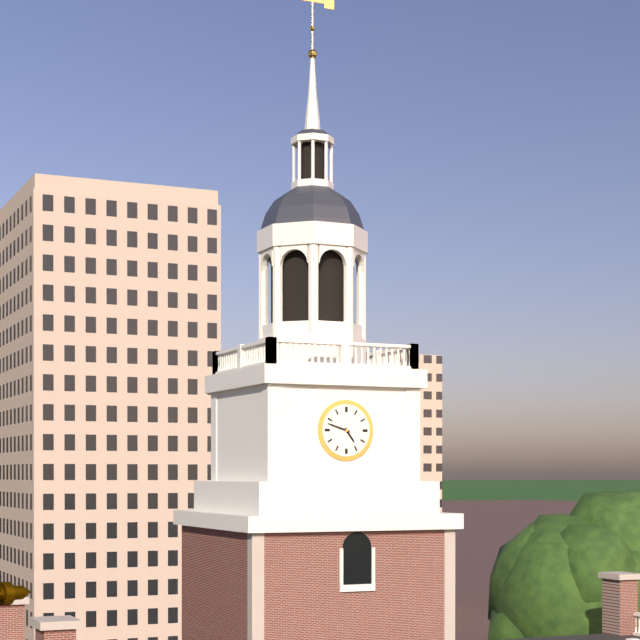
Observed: 4 h 48 min
